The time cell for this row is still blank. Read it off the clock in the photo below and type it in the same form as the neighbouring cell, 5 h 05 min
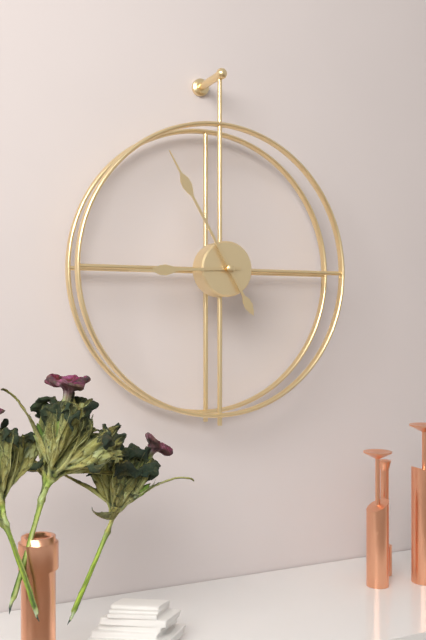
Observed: 8 h 55 min
